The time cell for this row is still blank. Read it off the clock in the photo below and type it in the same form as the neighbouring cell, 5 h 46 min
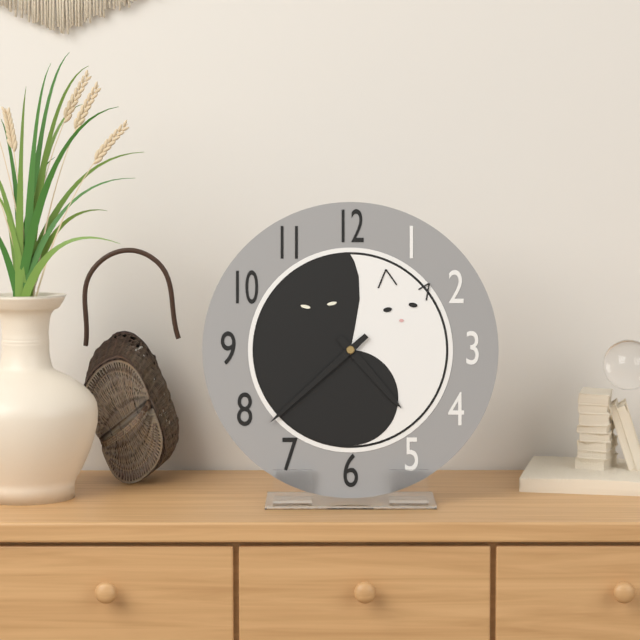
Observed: 4 h 38 min
